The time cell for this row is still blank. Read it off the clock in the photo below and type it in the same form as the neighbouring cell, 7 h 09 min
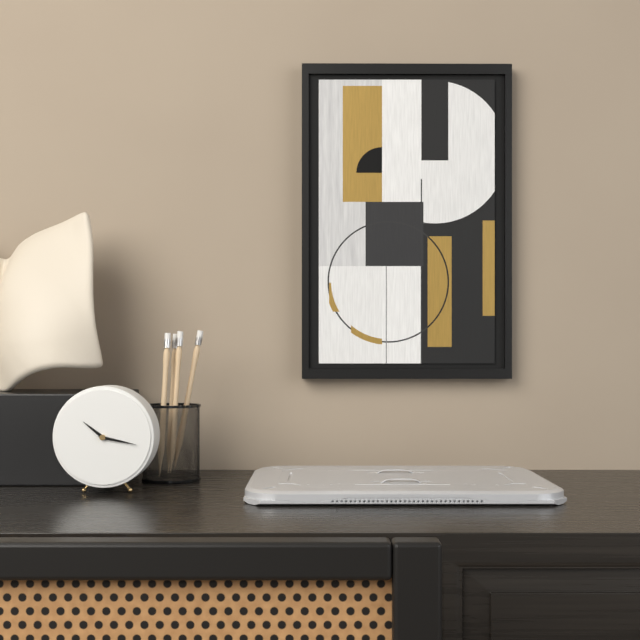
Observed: 10 h 17 min
